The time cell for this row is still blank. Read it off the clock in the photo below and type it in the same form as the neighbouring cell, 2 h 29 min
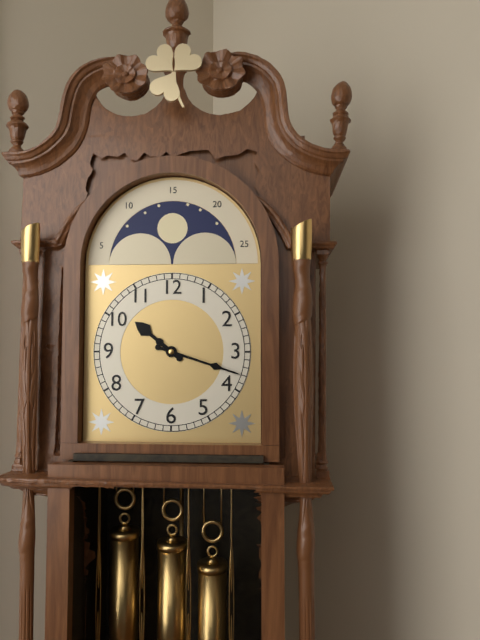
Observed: 10 h 18 min
